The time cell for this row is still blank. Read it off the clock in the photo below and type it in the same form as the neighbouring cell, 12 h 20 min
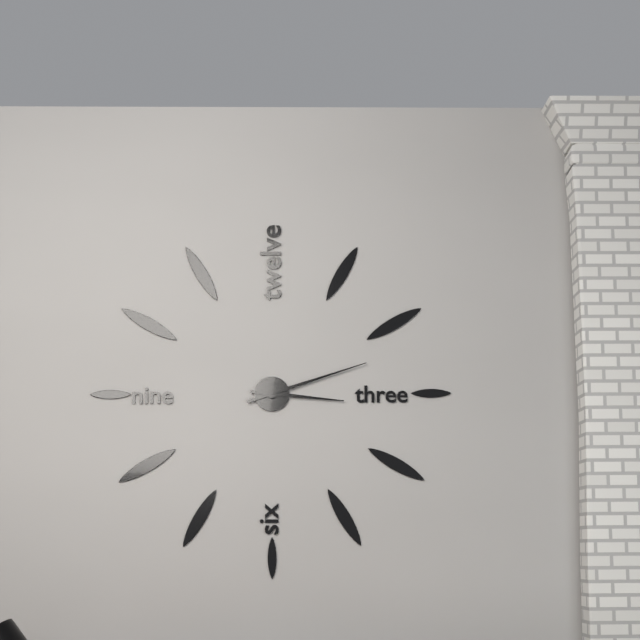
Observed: 3 h 12 min
